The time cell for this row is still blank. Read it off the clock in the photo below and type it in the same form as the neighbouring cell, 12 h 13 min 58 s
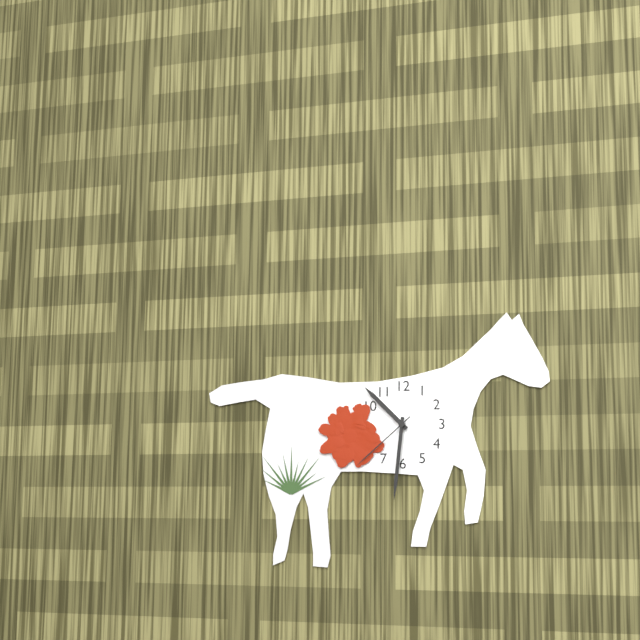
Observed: 10 h 31 min 38 s
